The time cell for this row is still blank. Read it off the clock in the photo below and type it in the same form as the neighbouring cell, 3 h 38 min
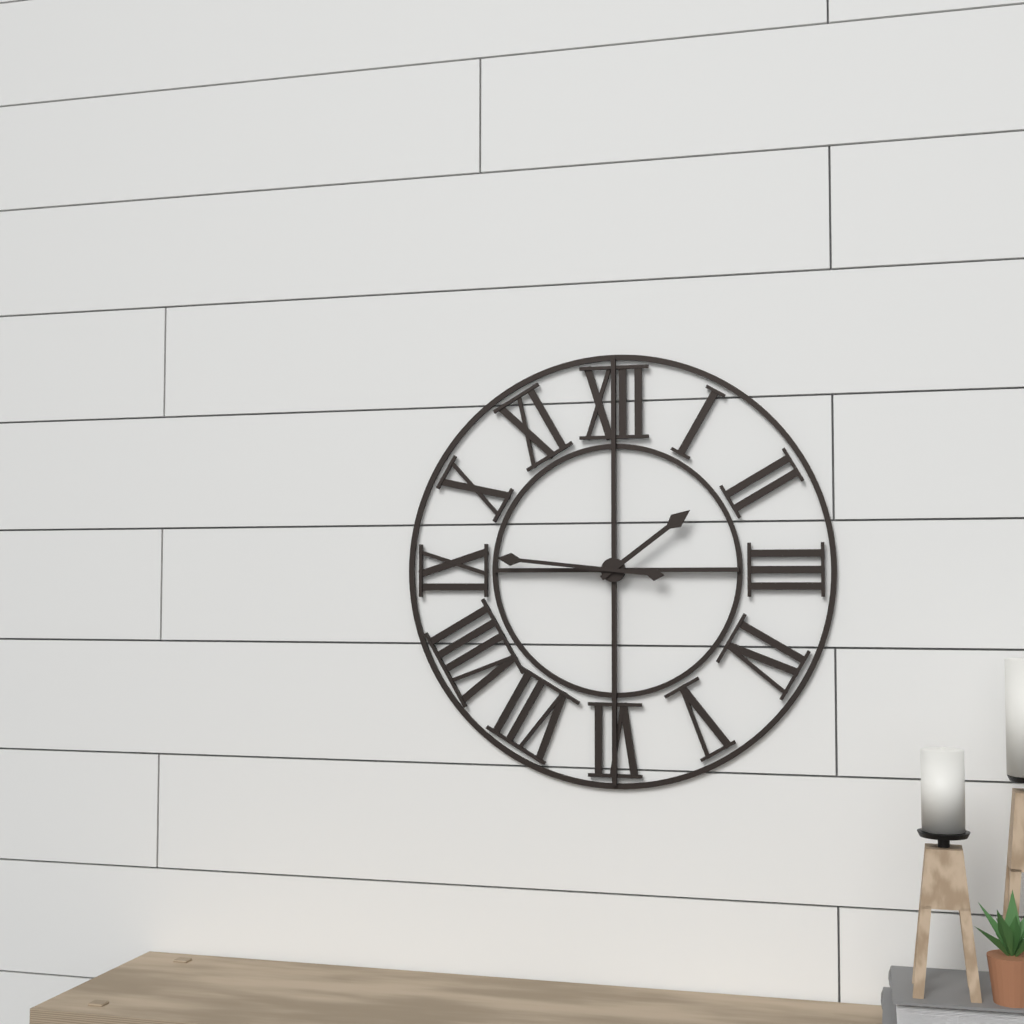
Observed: 1 h 46 min
